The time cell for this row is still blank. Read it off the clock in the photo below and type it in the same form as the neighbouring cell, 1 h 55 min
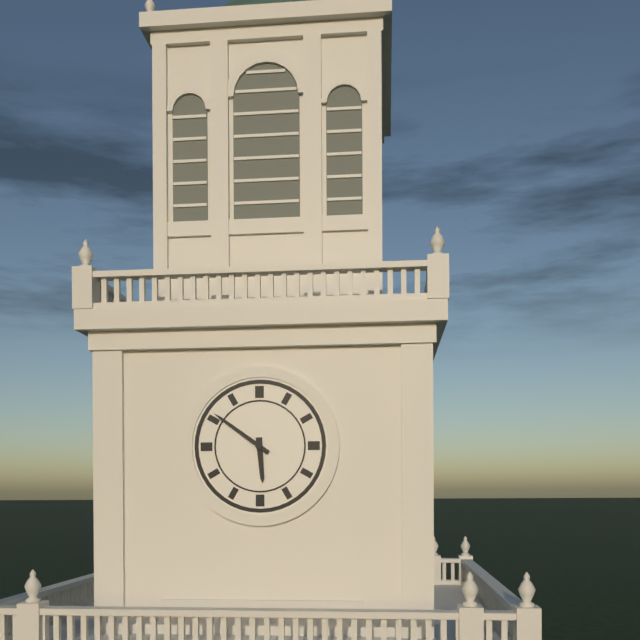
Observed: 5 h 51 min
